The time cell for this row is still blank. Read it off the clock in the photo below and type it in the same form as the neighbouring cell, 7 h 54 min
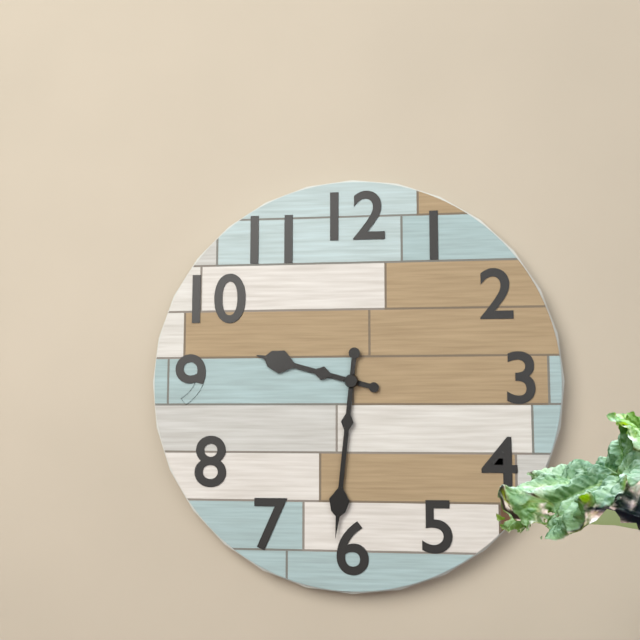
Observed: 9 h 31 min
